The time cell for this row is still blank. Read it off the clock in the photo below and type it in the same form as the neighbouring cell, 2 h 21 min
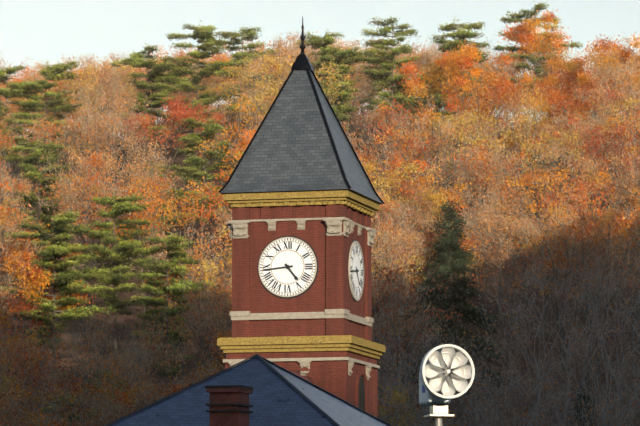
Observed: 4 h 44 min
